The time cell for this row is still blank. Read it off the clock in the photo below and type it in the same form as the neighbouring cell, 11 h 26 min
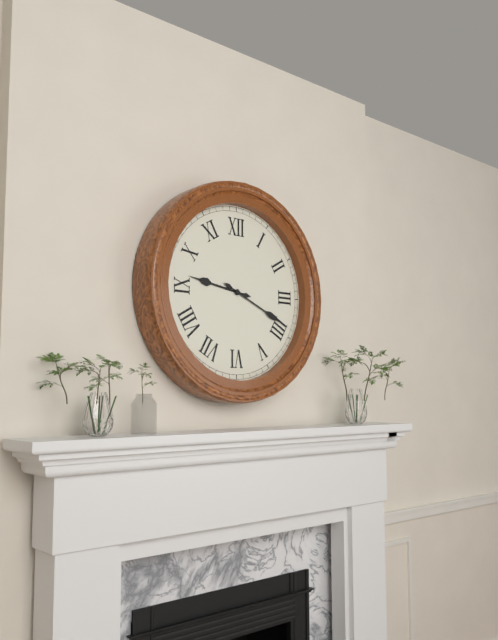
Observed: 9 h 19 min
